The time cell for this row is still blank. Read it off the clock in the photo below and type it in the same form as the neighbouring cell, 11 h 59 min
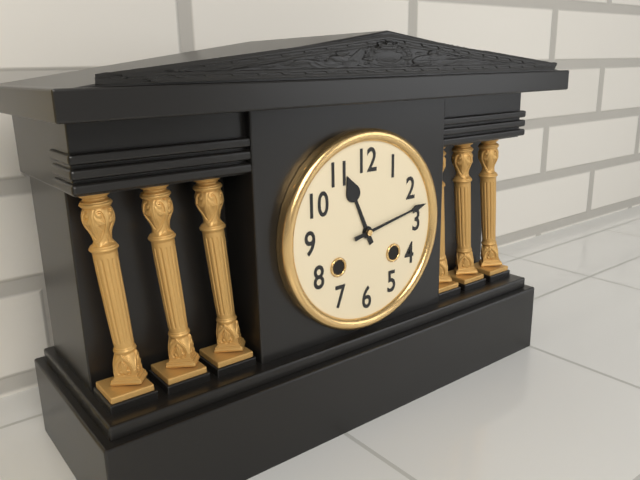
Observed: 11 h 13 min
